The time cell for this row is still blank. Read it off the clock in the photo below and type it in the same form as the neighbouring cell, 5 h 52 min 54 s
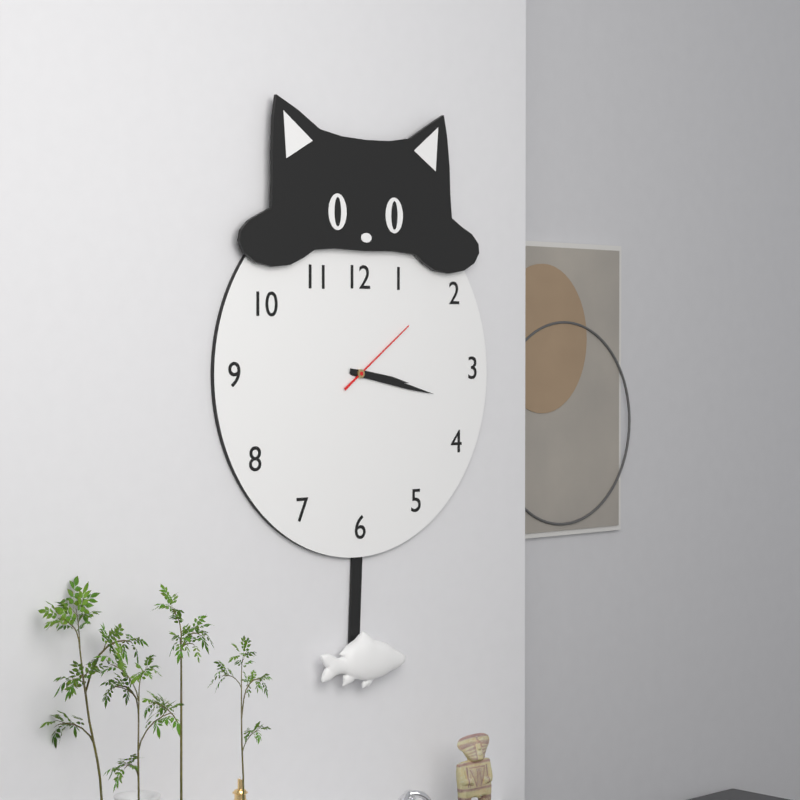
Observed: 3 h 17 min 09 s
